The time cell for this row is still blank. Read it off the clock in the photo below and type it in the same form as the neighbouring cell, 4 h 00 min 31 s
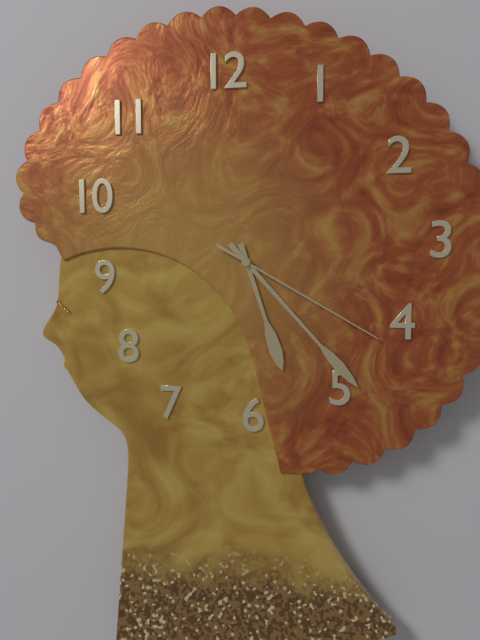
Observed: 5 h 23 min 20 s
